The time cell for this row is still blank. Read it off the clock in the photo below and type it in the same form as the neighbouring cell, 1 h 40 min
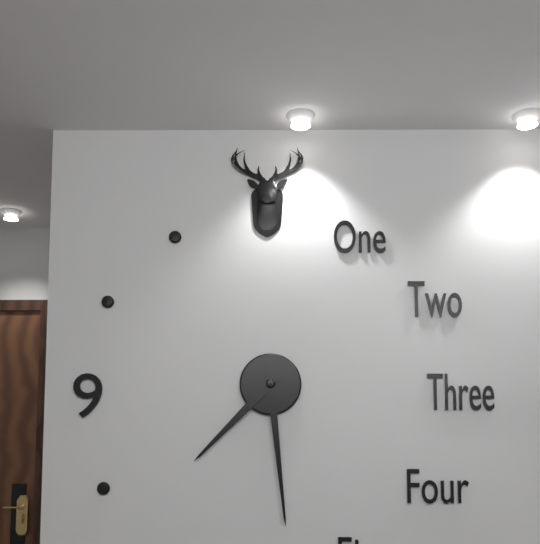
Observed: 7 h 29 min
